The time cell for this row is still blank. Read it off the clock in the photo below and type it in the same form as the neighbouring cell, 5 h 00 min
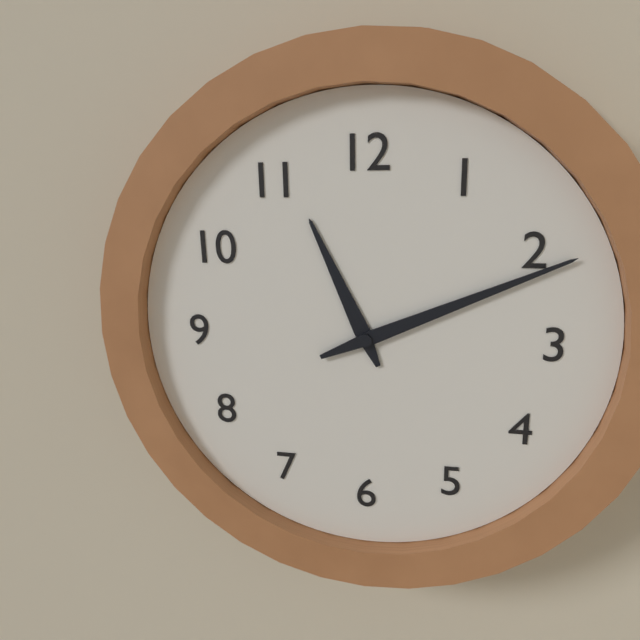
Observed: 11 h 11 min
